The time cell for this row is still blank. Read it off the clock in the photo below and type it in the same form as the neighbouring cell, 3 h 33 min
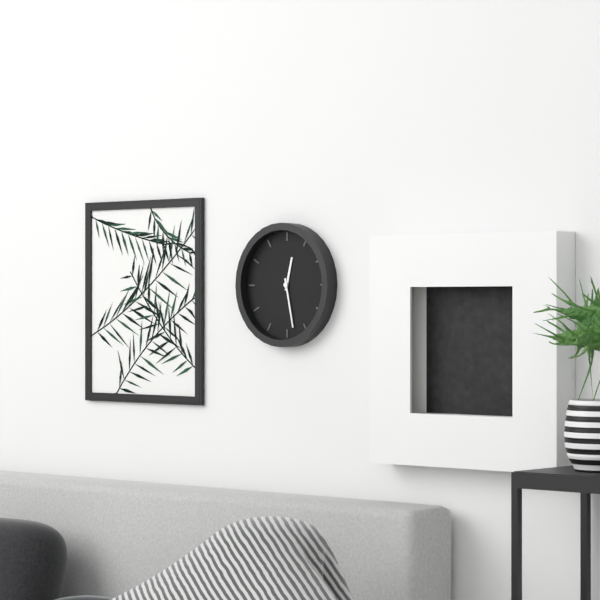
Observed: 12 h 28 min
